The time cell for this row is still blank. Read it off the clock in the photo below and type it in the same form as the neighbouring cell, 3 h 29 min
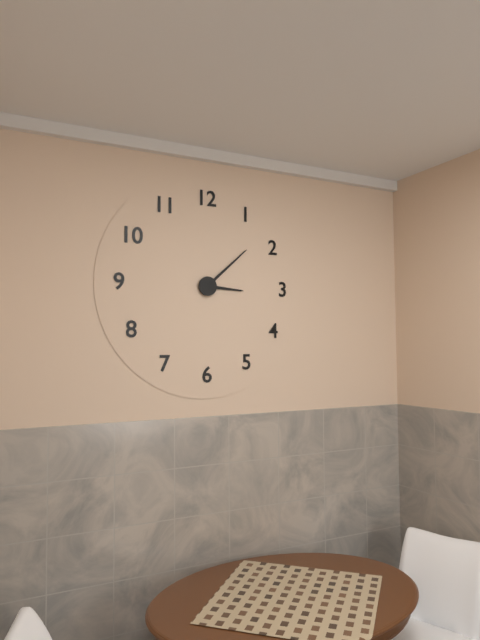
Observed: 3 h 08 min
